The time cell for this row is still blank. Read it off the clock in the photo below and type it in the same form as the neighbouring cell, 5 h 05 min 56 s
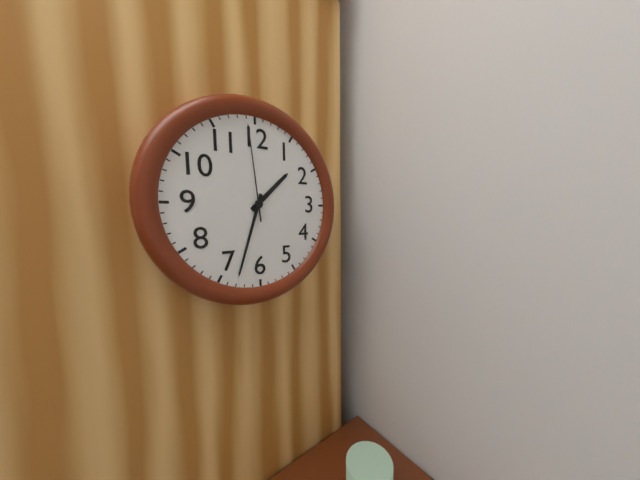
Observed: 1 h 33 min 59 s
